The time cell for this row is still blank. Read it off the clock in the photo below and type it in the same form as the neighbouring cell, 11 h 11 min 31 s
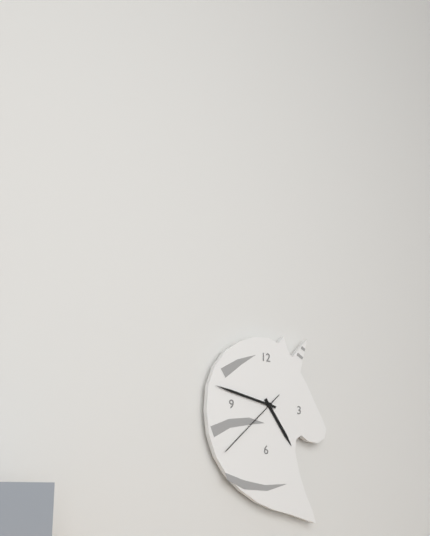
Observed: 4 h 47 min 38 s
